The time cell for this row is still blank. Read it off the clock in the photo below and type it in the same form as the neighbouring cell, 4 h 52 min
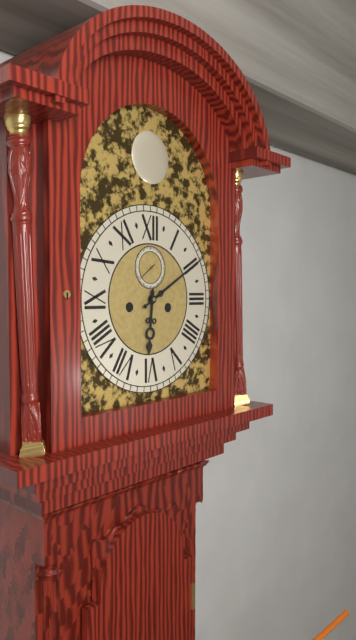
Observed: 6 h 10 min
